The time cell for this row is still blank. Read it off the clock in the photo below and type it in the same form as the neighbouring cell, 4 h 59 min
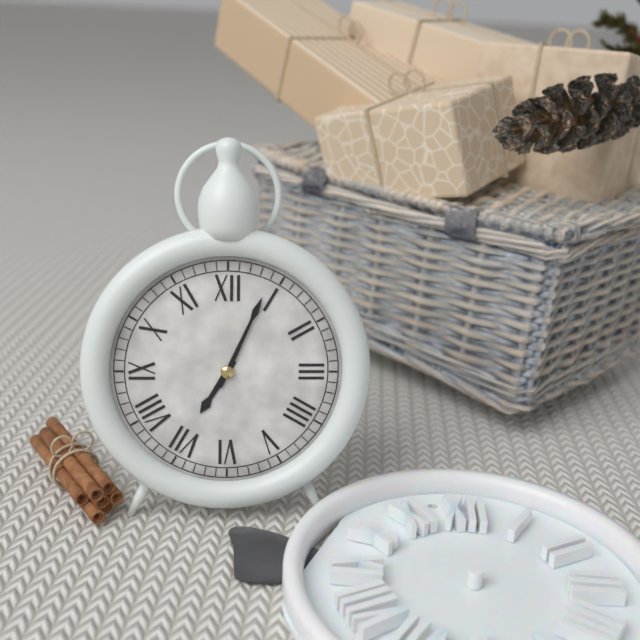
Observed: 7 h 04 min
